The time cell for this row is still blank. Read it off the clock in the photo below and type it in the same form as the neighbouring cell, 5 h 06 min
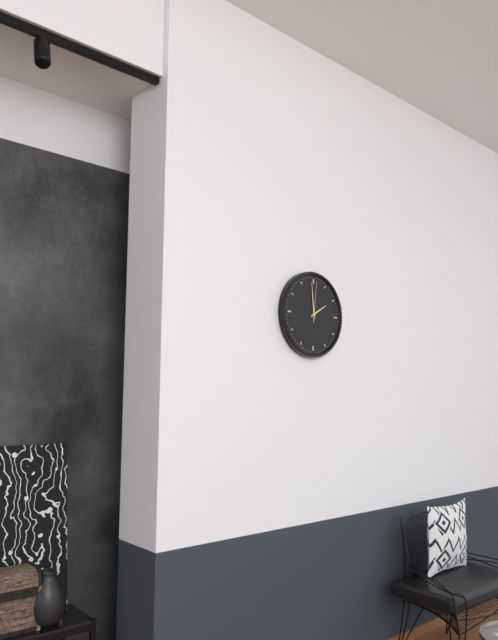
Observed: 1 h 59 min
